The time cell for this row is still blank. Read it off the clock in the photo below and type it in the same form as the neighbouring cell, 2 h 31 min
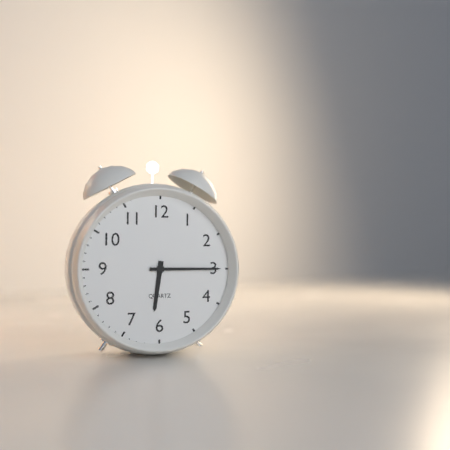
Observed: 6 h 15 min
